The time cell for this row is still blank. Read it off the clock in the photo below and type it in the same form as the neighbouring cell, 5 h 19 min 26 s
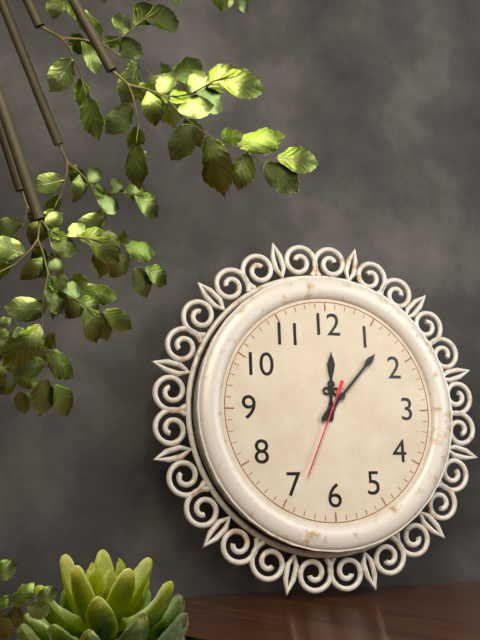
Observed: 12 h 07 min 34 s
